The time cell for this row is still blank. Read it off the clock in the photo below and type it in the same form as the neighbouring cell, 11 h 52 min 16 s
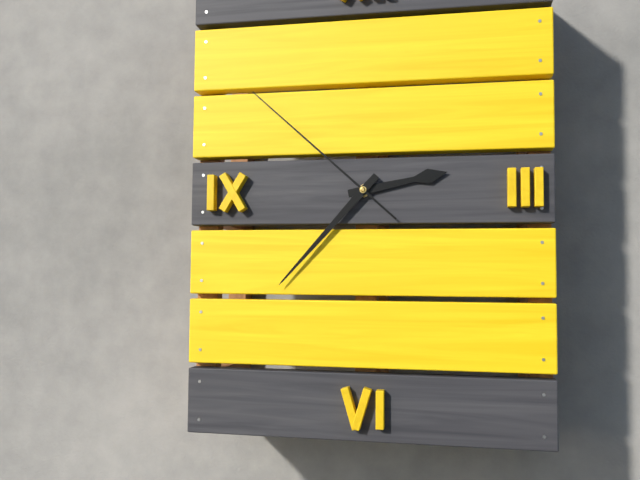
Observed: 2 h 37 min 52 s
